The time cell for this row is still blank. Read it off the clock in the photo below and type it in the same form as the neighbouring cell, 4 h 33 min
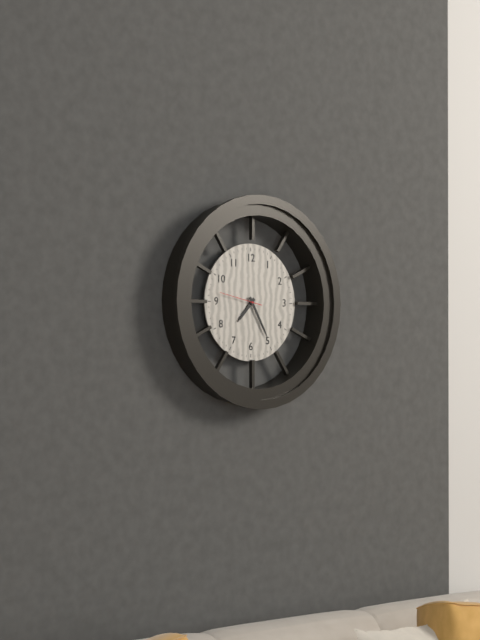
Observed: 7 h 25 min
